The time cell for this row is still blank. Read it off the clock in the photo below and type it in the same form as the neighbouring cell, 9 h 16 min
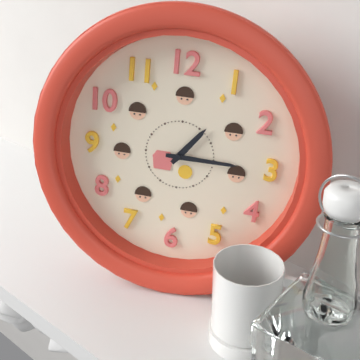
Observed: 1 h 15 min
